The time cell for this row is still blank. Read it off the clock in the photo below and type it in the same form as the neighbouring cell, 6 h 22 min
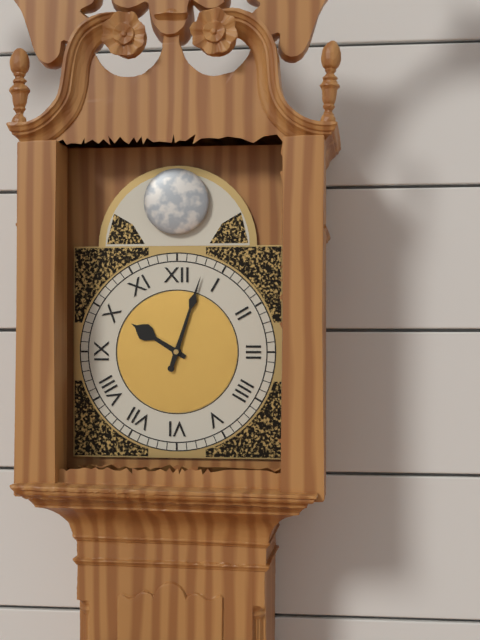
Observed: 10 h 03 min
